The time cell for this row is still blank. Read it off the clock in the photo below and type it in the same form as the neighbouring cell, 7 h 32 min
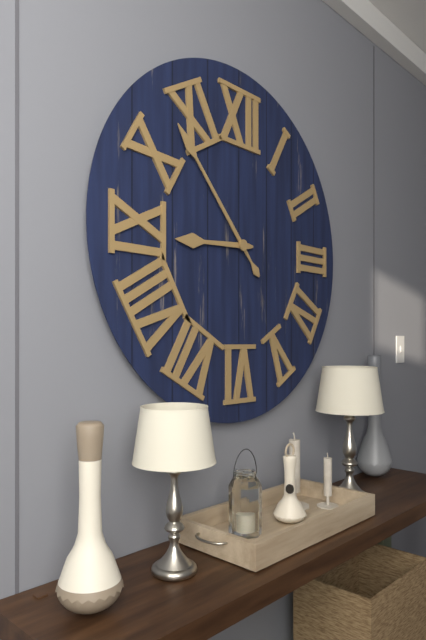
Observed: 8 h 53 min
